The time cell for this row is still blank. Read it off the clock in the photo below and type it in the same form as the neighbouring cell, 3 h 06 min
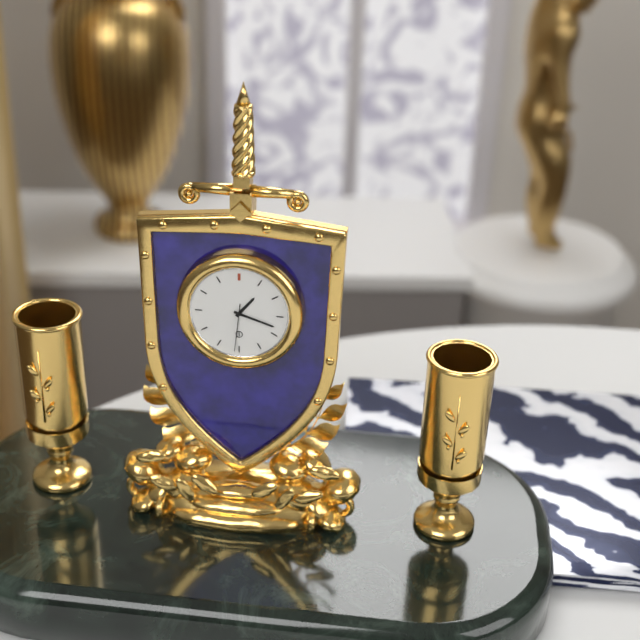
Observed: 1 h 18 min
